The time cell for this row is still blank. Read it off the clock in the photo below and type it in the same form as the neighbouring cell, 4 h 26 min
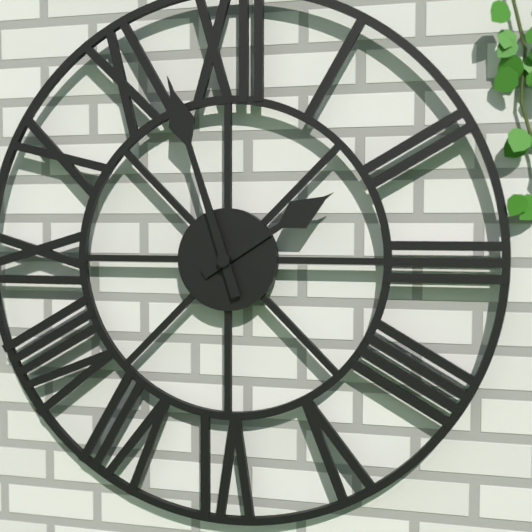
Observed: 1 h 57 min
